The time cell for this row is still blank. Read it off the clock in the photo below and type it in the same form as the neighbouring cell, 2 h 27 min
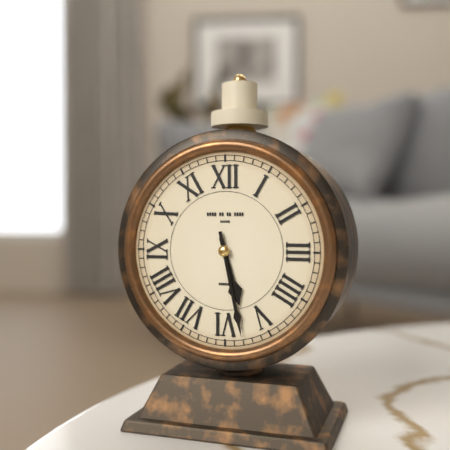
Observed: 5 h 28 min
